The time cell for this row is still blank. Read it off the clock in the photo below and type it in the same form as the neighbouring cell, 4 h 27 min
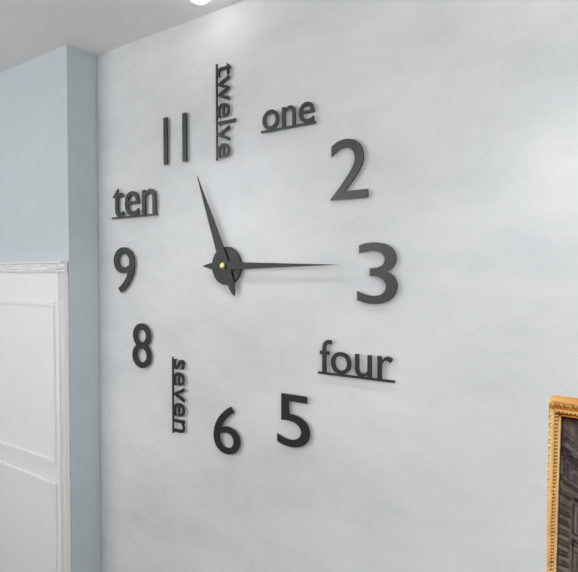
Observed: 11 h 15 min
